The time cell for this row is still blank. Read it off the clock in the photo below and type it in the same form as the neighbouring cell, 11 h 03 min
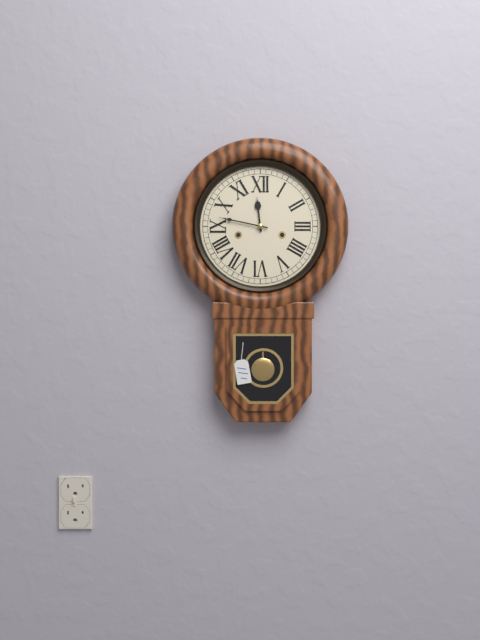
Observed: 11 h 47 min
